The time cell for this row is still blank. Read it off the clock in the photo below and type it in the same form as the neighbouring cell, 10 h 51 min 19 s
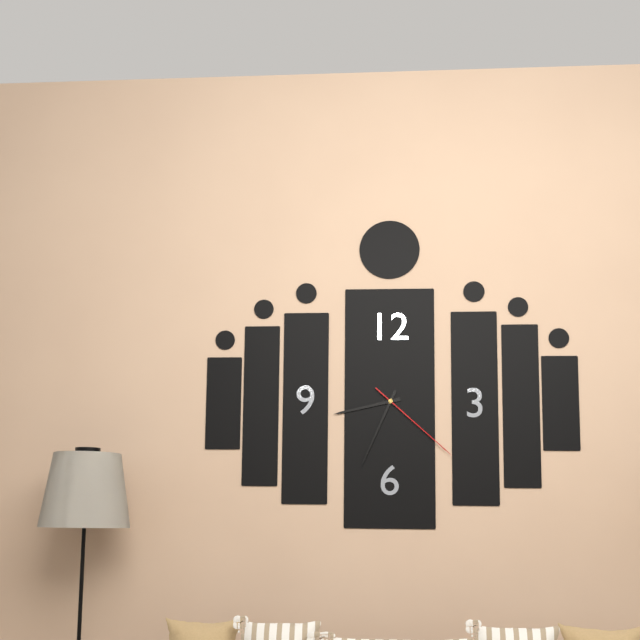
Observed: 8 h 34 min 22 s
